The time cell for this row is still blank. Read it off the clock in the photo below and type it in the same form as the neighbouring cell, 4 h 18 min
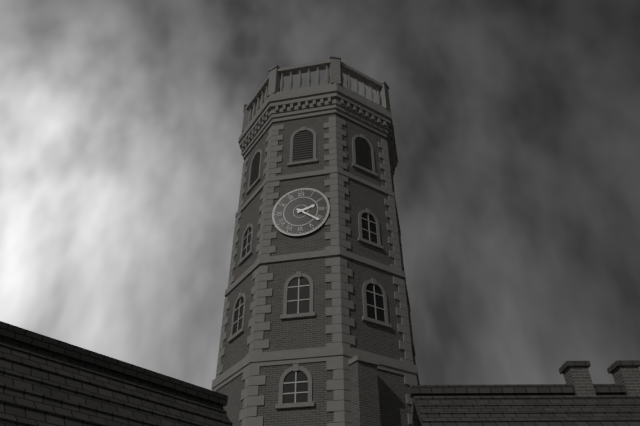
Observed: 2 h 21 min
